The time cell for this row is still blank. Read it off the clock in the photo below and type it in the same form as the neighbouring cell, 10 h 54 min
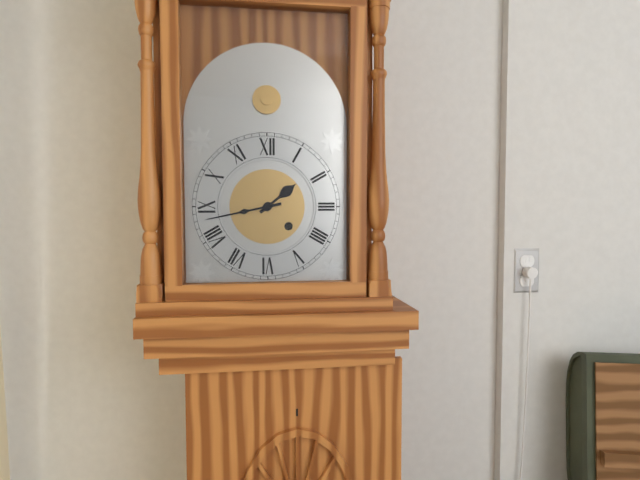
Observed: 1 h 43 min
